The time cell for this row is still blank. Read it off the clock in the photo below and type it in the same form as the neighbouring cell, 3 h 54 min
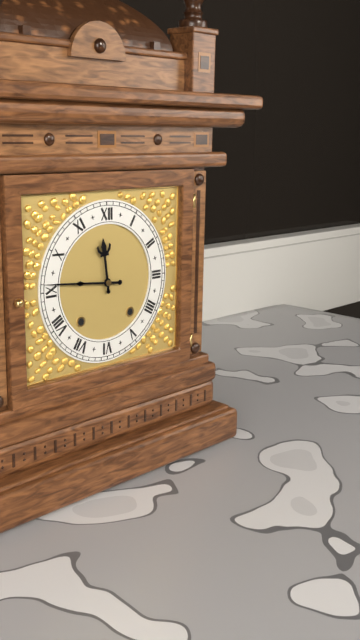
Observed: 11 h 46 min
